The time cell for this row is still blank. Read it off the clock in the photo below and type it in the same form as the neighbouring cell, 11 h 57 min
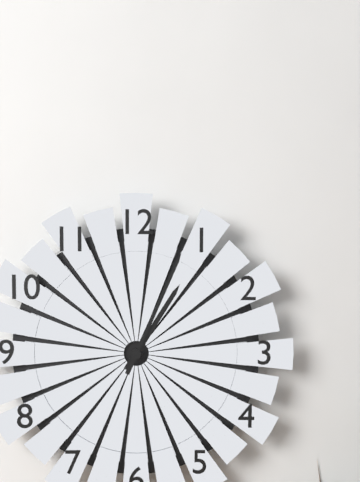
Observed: 1 h 04 min
